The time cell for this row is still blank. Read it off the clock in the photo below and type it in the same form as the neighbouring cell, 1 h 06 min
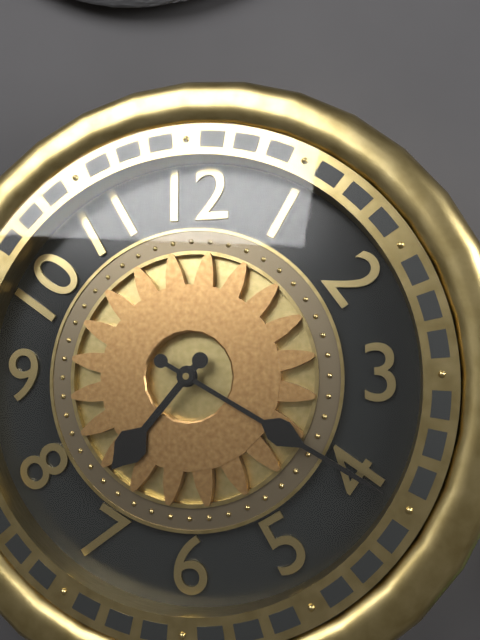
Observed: 7 h 20 min
